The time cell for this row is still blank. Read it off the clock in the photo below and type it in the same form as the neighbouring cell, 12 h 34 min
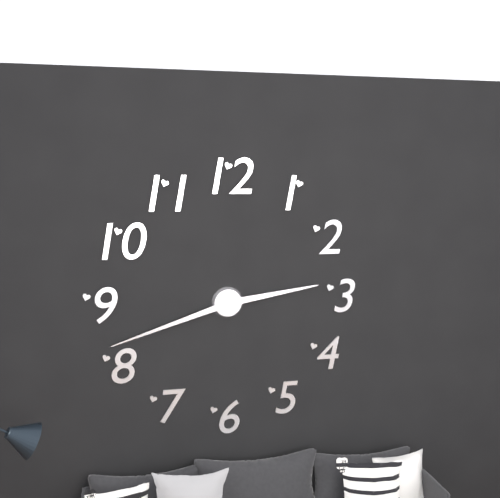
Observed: 2 h 42 min
